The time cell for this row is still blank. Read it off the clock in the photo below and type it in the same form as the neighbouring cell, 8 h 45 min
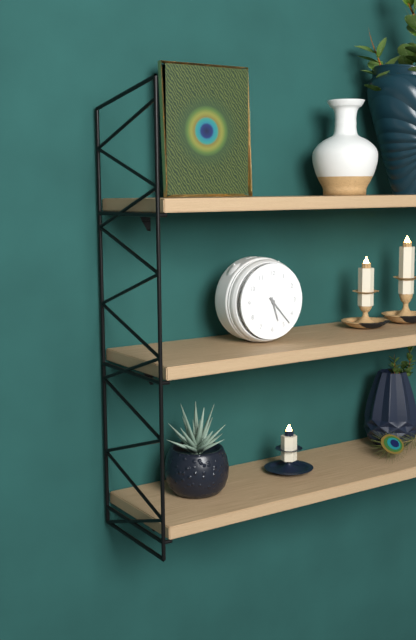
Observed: 5 h 23 min
